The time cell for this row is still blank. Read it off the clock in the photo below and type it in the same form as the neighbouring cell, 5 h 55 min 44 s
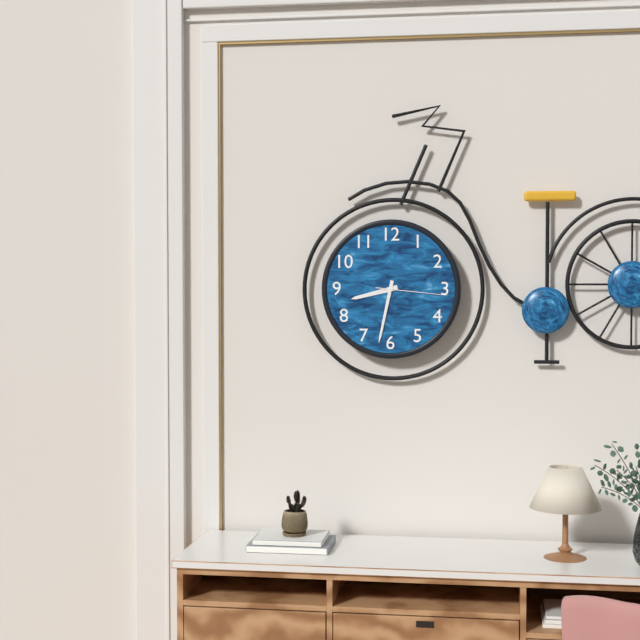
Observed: 8 h 32 min 16 s
